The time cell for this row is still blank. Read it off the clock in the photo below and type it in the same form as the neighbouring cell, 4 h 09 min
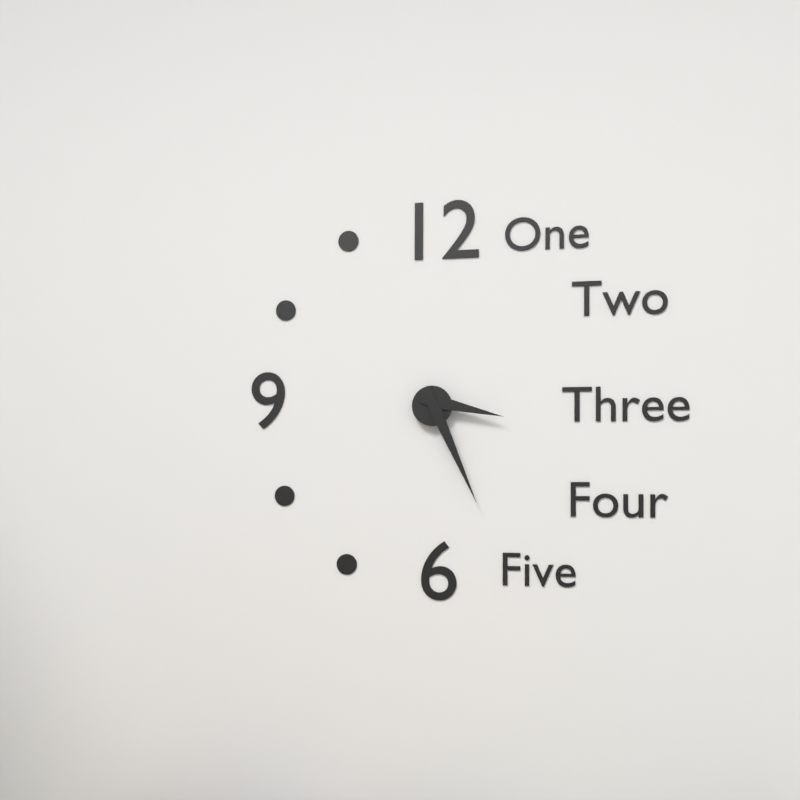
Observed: 3 h 26 min
